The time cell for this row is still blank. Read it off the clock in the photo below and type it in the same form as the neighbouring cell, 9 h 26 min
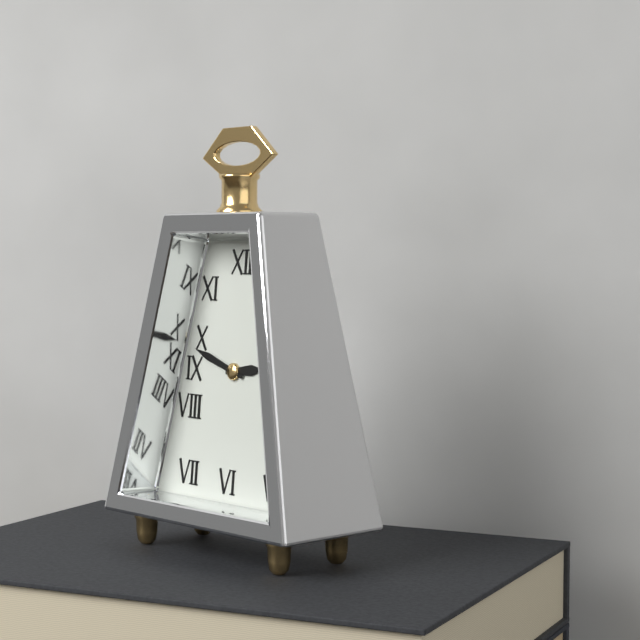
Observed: 2 h 48 min
